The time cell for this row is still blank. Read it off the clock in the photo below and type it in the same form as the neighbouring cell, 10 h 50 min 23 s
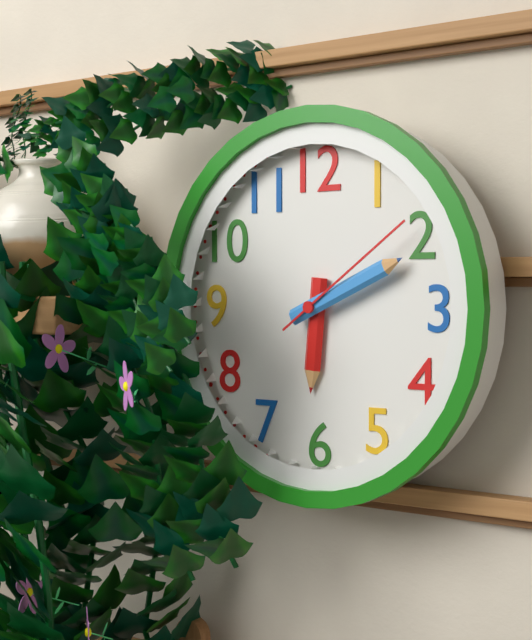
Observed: 6 h 11 min 09 s
